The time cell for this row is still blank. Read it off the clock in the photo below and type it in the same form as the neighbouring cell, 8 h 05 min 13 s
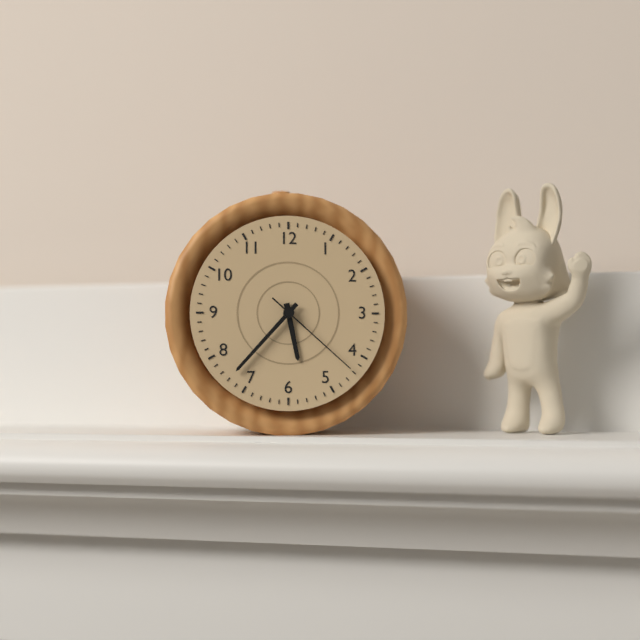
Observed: 5 h 37 min 22 s
